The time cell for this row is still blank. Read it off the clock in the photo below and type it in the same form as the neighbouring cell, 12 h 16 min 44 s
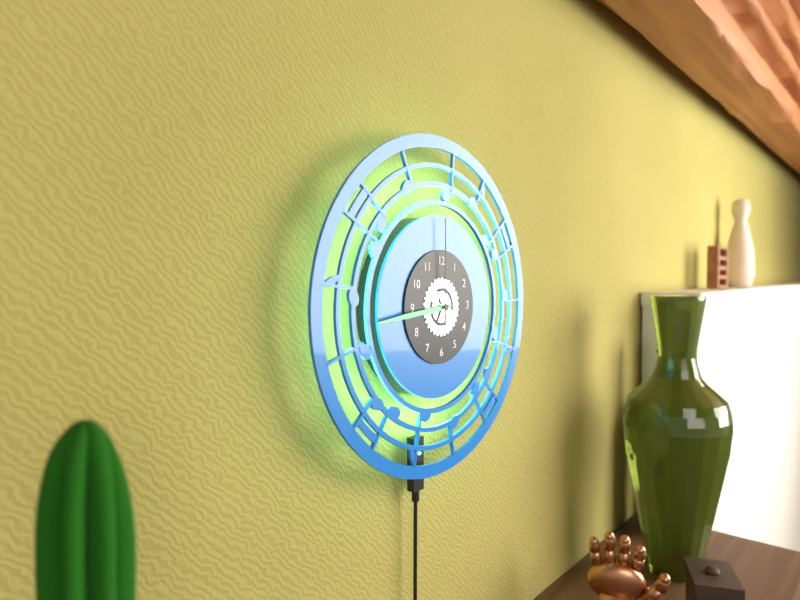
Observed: 8 h 44 min 00 s
